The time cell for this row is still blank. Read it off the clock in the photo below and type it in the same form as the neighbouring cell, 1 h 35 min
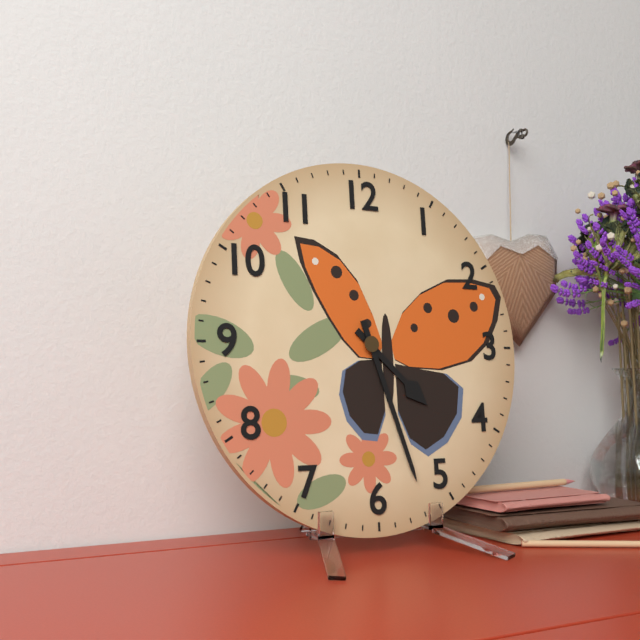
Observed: 4 h 27 min
